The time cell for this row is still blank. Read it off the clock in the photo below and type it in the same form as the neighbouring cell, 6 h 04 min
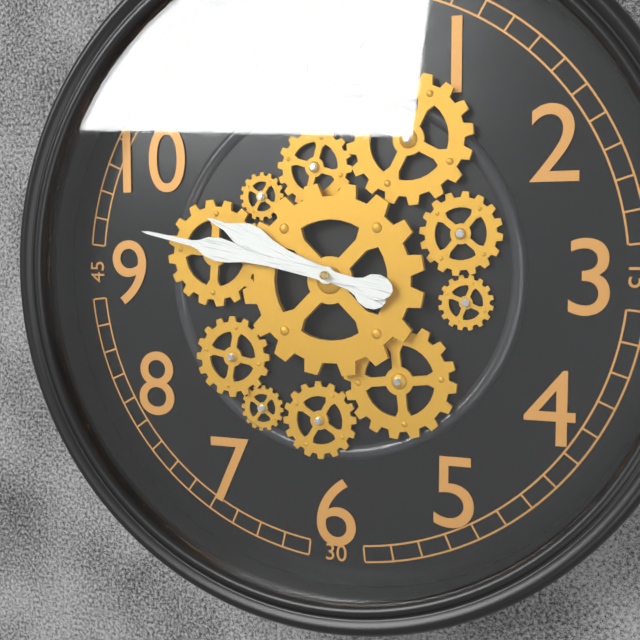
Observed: 9 h 47 min
